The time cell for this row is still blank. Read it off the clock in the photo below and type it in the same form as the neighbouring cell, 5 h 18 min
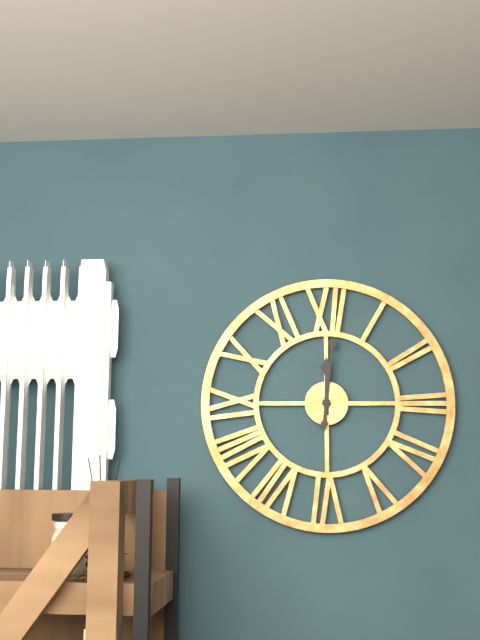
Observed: 12 h 01 min
